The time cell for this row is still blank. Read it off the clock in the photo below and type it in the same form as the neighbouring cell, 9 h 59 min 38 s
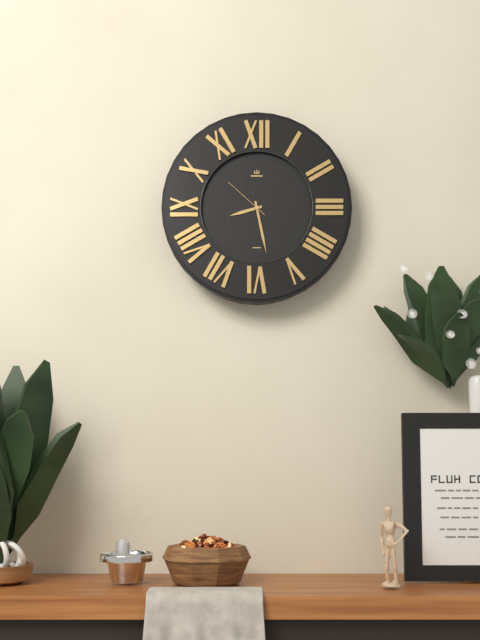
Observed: 8 h 28 min 52 s
